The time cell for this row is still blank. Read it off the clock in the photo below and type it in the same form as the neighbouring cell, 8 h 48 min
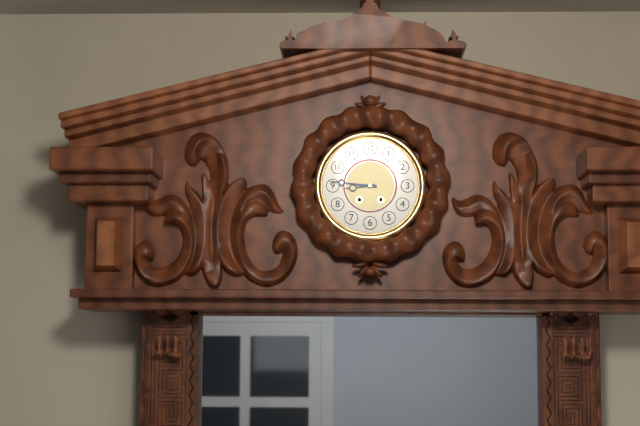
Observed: 8 h 46 min
